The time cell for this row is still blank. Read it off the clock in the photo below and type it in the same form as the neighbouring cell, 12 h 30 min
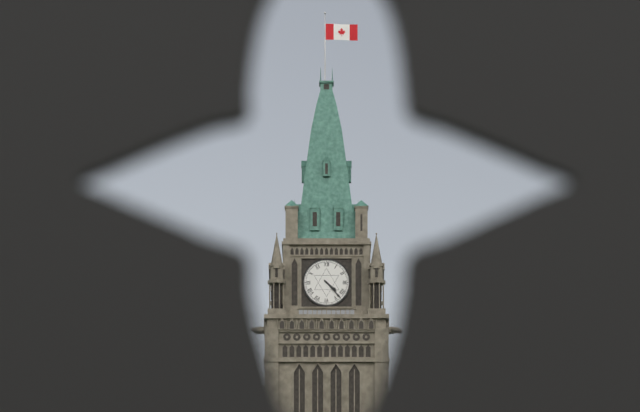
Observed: 4 h 23 min
